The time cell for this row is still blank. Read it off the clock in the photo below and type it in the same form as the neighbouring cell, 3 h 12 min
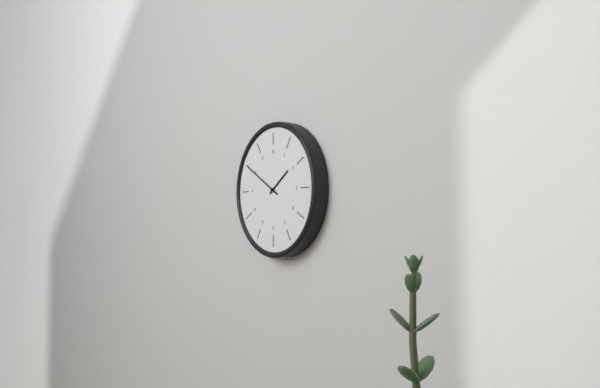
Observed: 1 h 50 min
